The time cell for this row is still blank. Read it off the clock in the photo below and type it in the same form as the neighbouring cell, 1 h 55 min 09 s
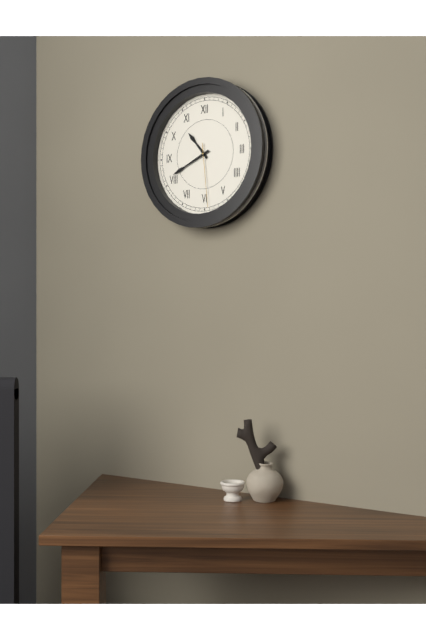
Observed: 10 h 41 min 29 s
